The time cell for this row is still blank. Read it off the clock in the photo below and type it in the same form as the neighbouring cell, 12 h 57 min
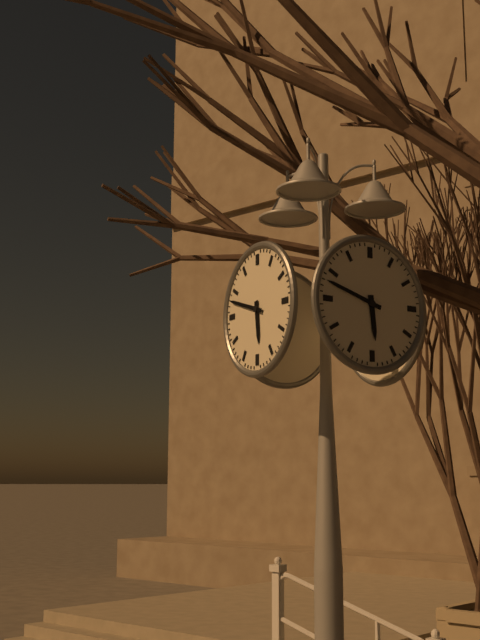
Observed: 5 h 48 min
